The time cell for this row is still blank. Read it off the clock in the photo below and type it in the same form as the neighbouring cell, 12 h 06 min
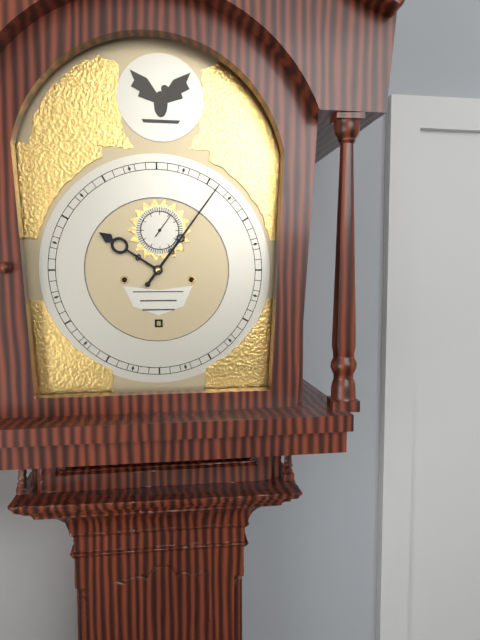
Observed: 10 h 06 min
